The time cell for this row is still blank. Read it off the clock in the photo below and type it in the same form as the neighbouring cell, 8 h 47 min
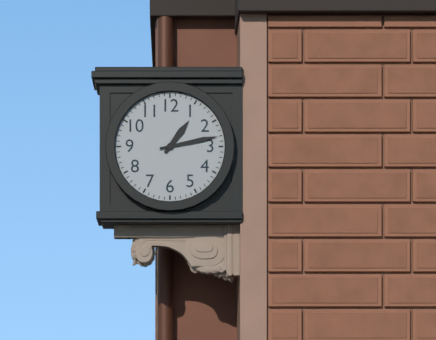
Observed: 1 h 13 min
